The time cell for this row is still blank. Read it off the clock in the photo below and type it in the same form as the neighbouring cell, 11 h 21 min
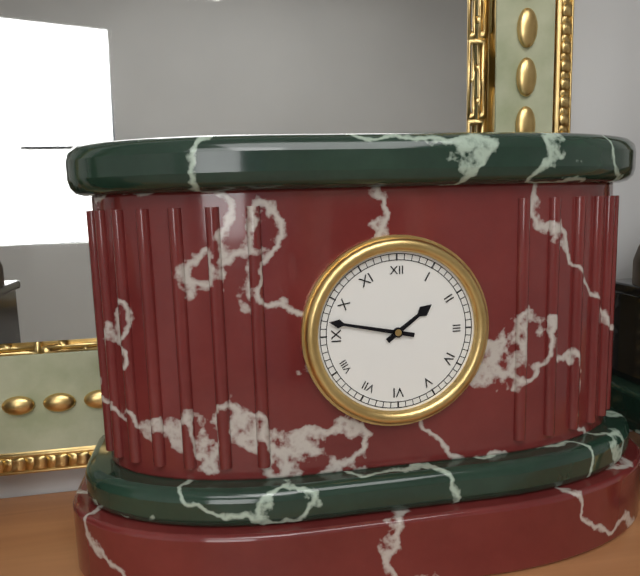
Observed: 1 h 47 min
